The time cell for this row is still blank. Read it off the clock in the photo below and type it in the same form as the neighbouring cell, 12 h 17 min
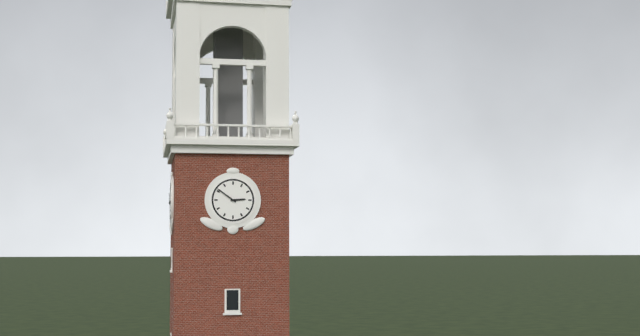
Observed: 2 h 51 min
